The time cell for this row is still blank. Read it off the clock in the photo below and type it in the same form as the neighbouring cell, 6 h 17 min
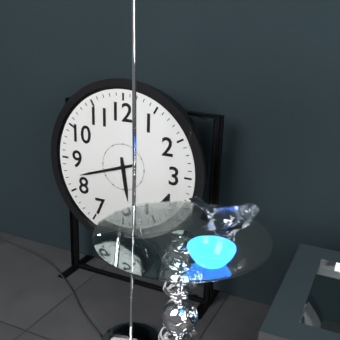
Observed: 5 h 42 min
